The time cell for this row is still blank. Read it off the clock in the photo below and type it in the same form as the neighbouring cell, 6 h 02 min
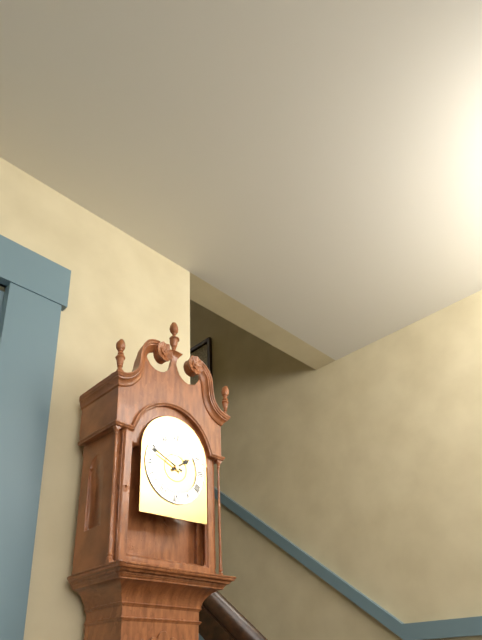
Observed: 1 h 49 min
